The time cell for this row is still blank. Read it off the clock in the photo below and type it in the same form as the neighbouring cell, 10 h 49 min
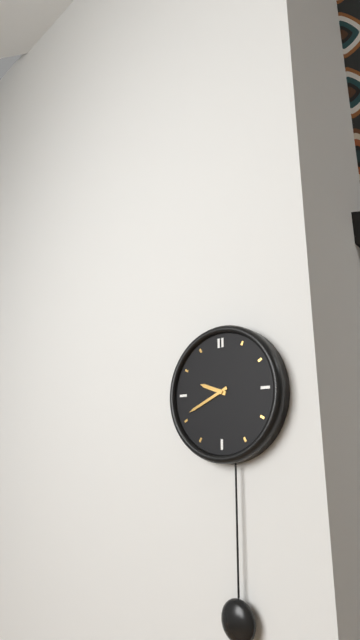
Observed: 9 h 41 min
